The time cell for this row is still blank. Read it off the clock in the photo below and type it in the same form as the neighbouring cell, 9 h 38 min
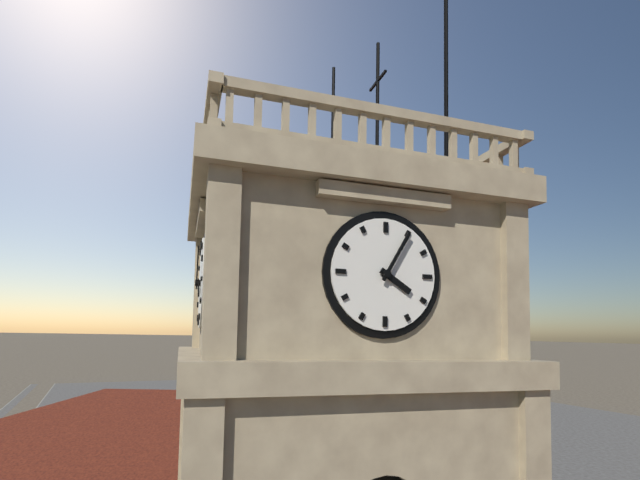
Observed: 4 h 05 min
